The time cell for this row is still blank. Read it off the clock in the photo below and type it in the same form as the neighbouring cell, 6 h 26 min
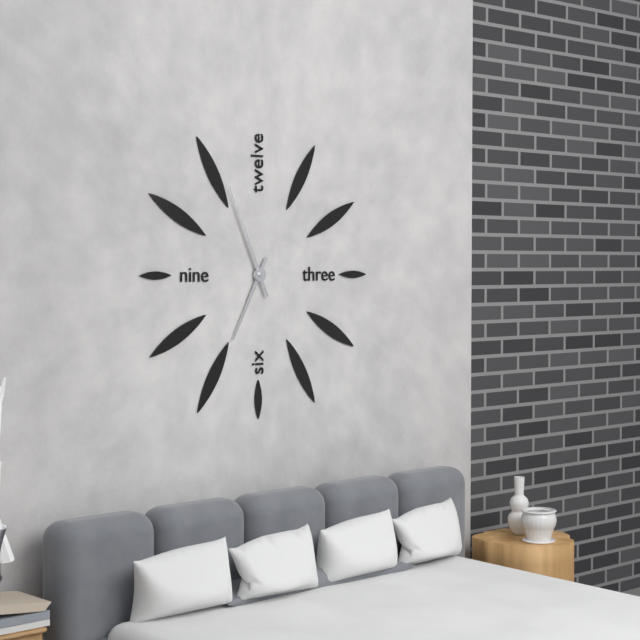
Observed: 6 h 56 min
